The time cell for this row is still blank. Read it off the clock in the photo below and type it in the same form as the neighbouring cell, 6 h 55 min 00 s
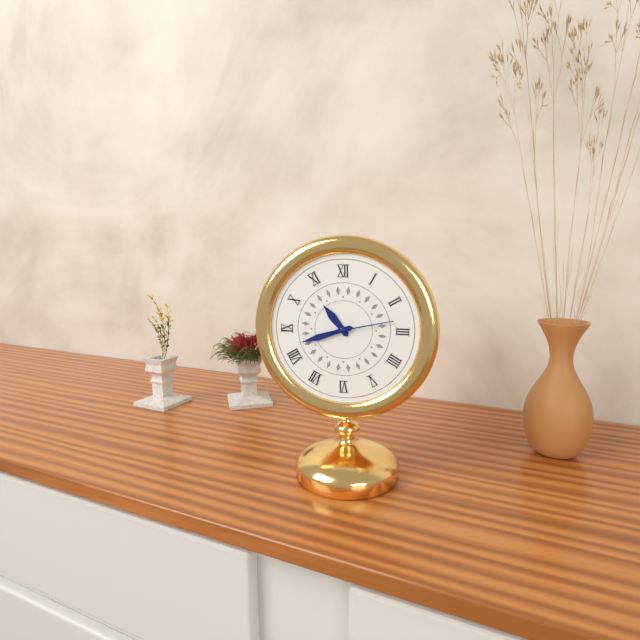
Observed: 10 h 42 min 13 s
